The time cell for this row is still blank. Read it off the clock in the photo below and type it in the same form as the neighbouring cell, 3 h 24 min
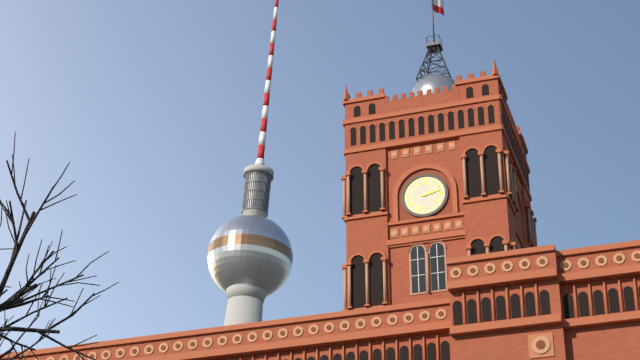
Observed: 2 h 13 min
